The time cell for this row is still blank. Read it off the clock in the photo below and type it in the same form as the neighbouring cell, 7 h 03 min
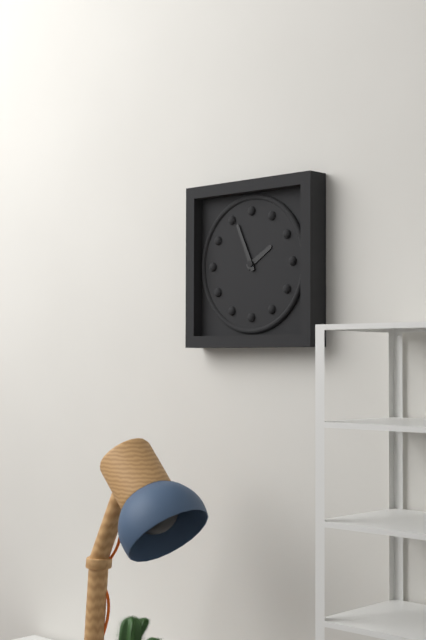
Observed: 1 h 56 min
